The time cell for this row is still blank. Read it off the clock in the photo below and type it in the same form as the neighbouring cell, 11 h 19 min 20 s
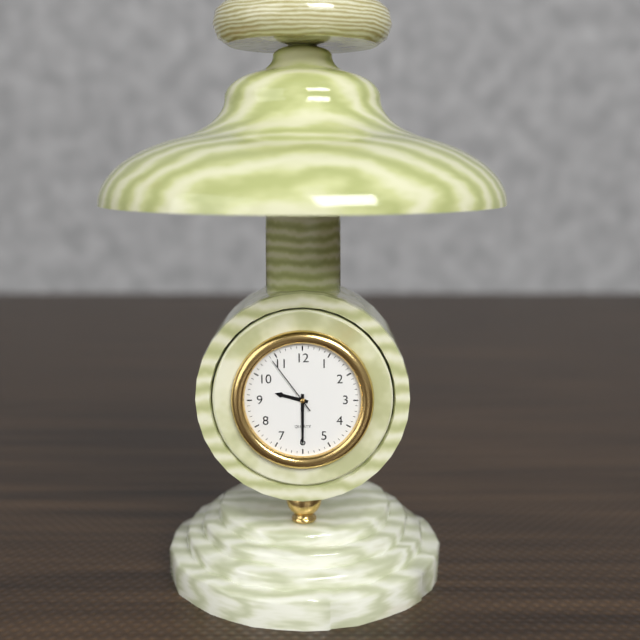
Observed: 9 h 30 min 54 s
